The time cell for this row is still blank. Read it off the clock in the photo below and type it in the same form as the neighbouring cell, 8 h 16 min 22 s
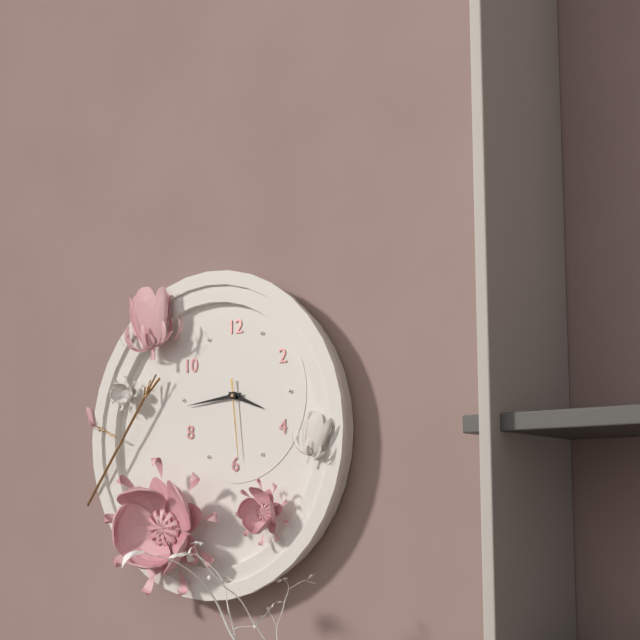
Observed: 3 h 44 min 29 s
